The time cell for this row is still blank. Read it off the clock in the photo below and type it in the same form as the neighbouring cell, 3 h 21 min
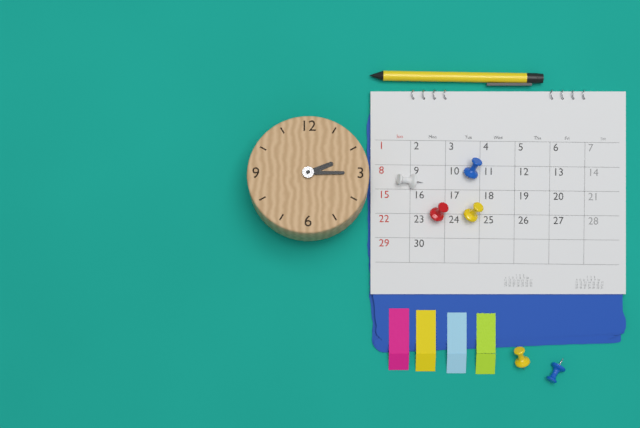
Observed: 2 h 15 min
